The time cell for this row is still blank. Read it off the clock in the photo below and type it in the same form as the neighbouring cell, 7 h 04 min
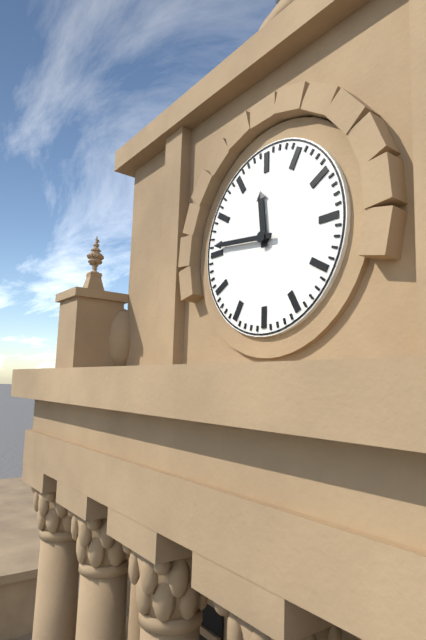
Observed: 11 h 46 min
